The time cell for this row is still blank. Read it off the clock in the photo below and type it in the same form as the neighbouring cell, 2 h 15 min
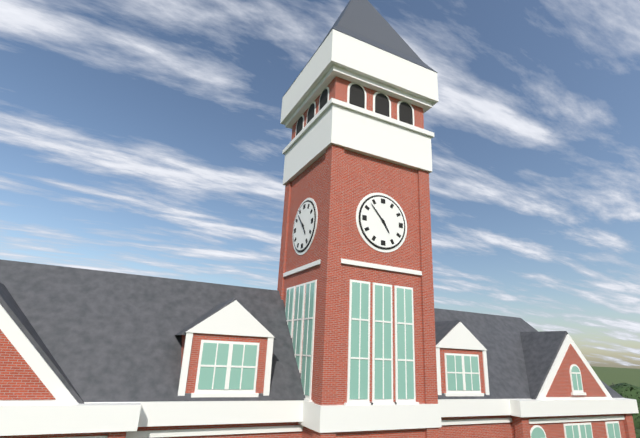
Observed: 4 h 53 min
